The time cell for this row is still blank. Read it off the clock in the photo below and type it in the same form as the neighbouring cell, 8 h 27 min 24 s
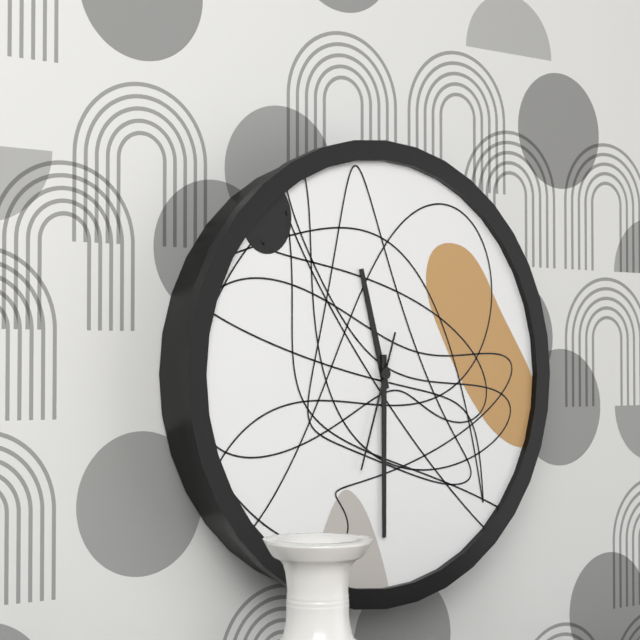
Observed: 11 h 30 min 33 s
